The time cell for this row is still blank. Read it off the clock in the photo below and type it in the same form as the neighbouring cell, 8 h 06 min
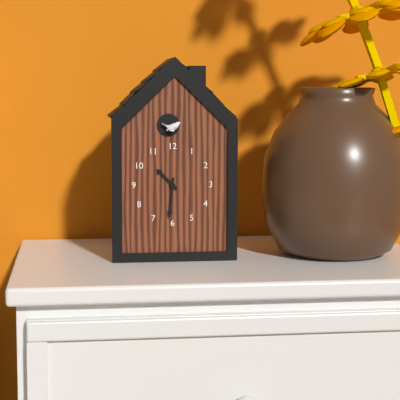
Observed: 10 h 31 min
